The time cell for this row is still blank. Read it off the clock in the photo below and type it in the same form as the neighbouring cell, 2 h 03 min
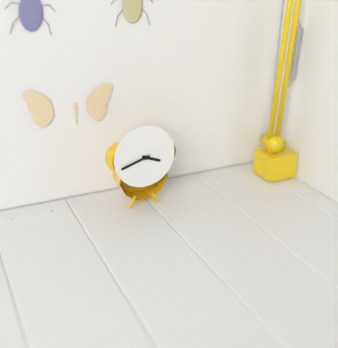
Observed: 3 h 42 min
